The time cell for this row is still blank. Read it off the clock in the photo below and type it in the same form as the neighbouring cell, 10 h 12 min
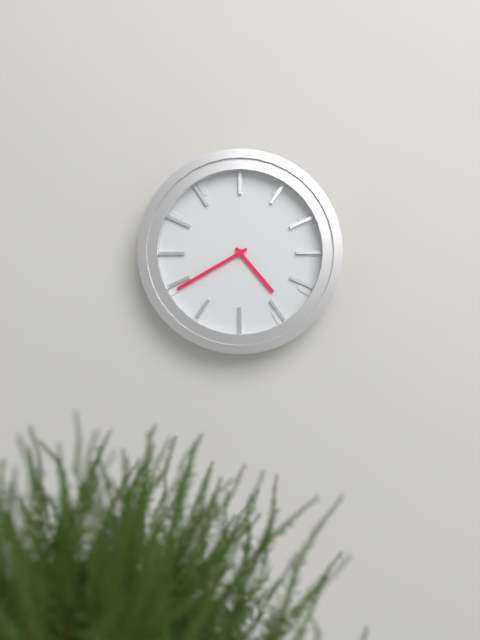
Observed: 4 h 40 min
